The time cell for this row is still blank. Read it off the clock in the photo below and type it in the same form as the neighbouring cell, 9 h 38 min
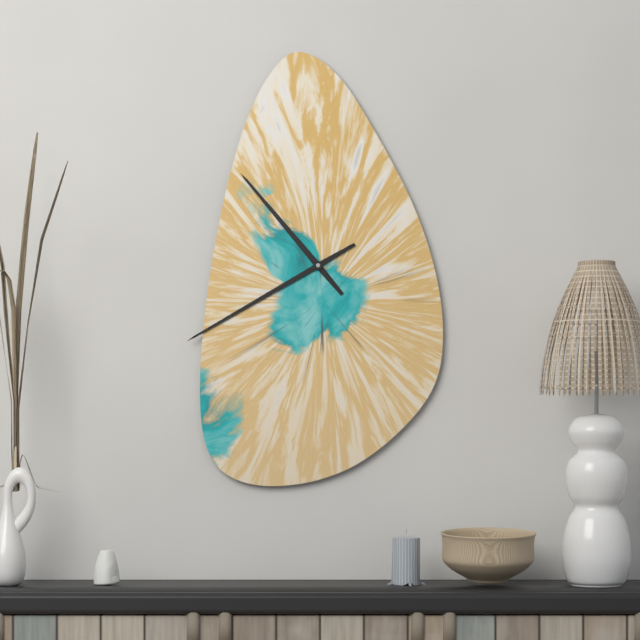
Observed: 10 h 40 min
